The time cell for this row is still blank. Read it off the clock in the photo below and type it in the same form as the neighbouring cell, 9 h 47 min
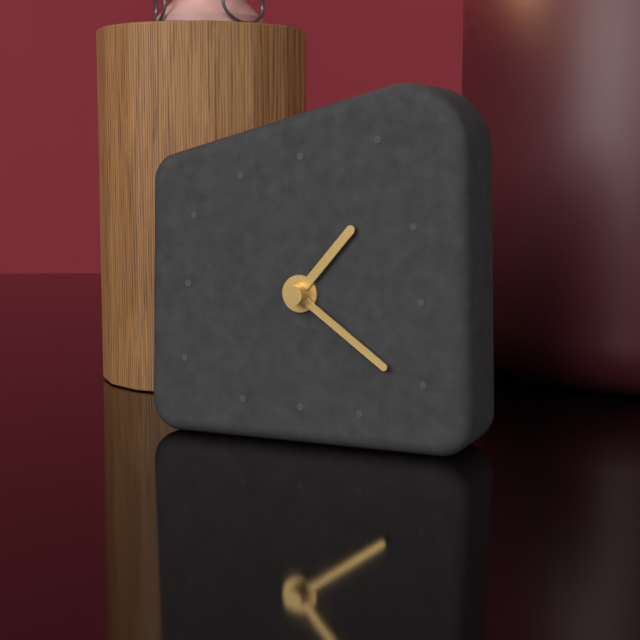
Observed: 1 h 21 min
